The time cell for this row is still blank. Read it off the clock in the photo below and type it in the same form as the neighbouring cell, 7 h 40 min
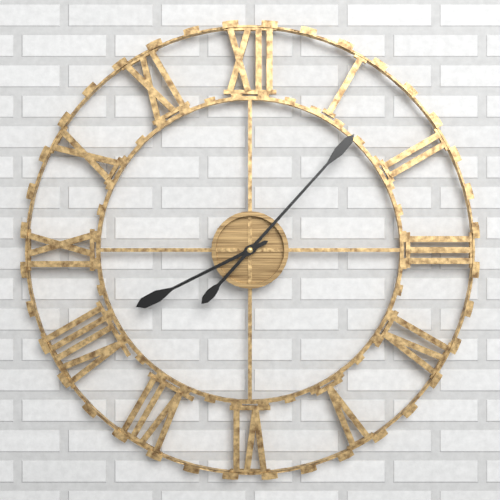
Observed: 8 h 07 min
